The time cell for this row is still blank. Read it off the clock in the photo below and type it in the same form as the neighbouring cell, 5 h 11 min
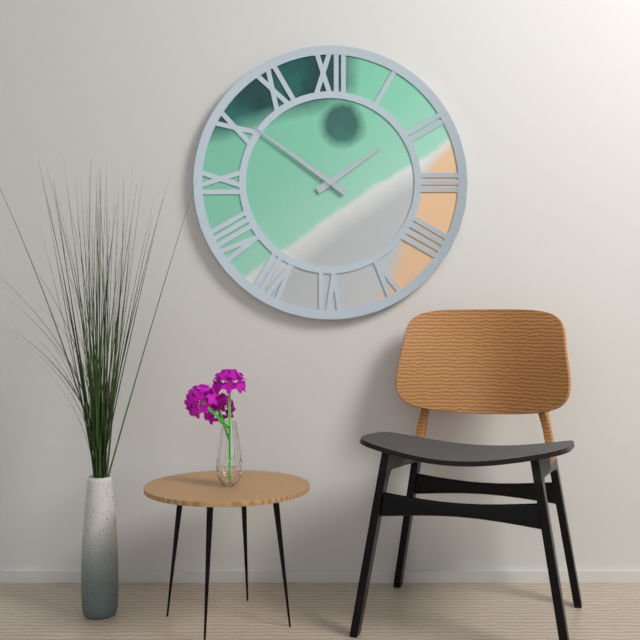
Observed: 1 h 51 min
